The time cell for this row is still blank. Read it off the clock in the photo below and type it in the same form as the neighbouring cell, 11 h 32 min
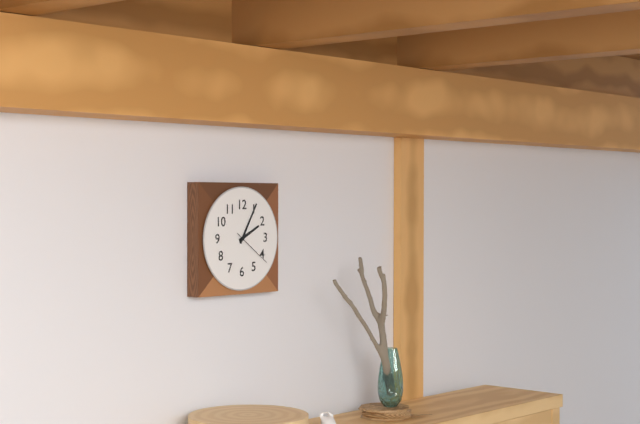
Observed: 2 h 05 min
